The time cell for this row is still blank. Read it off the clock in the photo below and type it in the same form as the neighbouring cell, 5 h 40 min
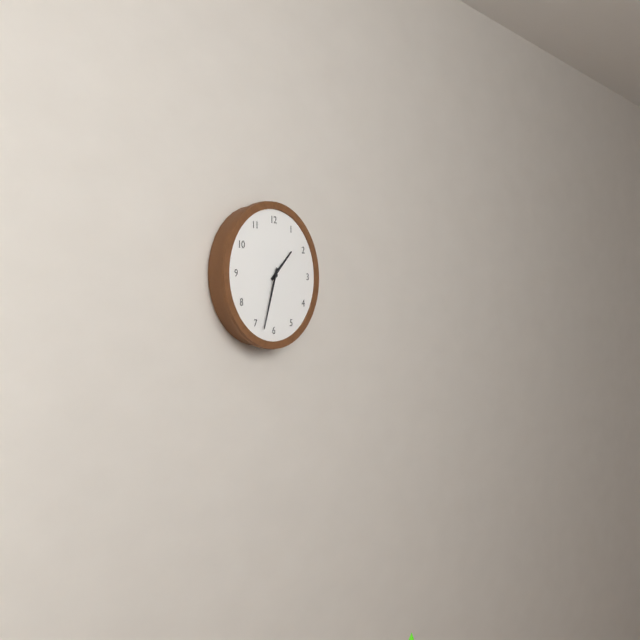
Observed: 1 h 33 min
